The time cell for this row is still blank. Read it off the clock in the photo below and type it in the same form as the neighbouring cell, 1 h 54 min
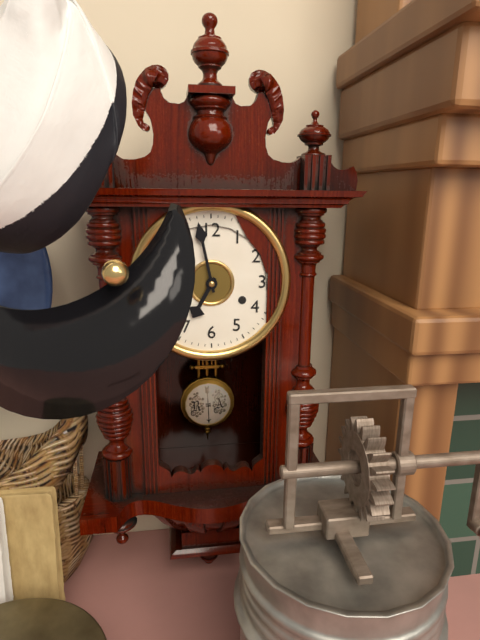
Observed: 6 h 58 min
